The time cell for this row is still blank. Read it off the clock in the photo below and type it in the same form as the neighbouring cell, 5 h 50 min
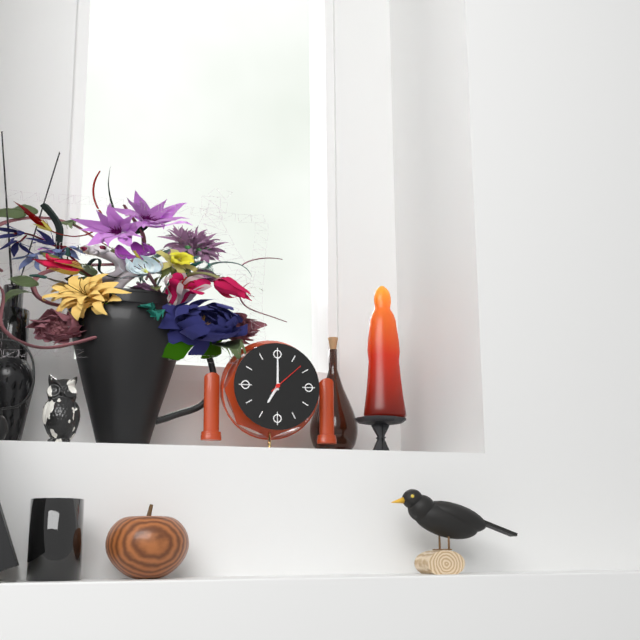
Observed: 7 h 00 min
